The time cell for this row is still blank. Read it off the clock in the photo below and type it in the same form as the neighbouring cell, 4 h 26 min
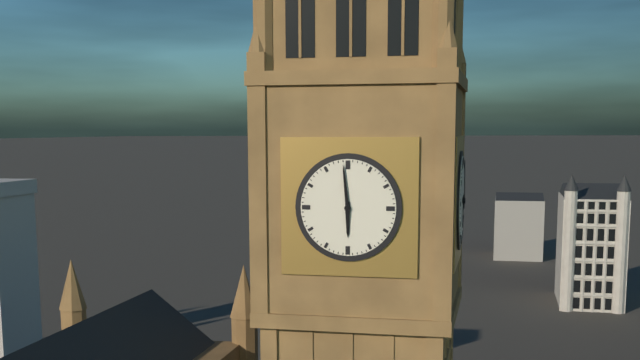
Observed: 5 h 59 min
